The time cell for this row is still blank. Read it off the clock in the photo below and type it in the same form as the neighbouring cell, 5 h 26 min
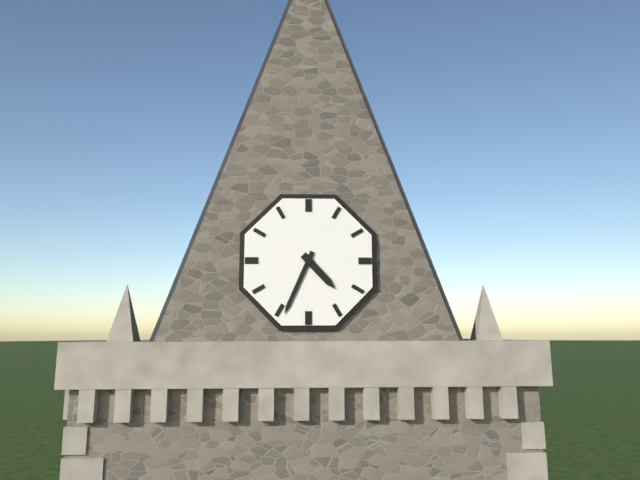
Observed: 4 h 34 min
